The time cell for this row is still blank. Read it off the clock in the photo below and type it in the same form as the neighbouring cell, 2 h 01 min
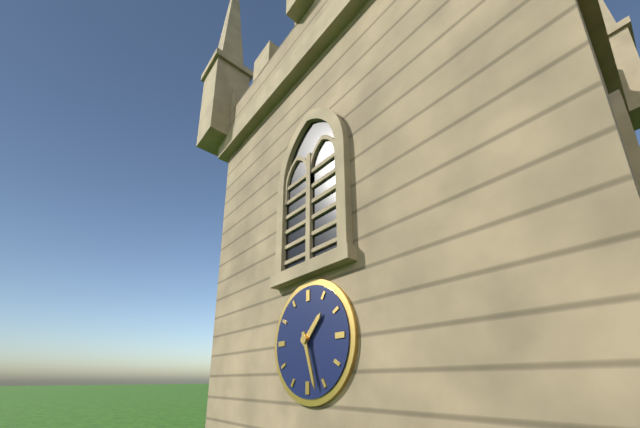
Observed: 1 h 27 min
